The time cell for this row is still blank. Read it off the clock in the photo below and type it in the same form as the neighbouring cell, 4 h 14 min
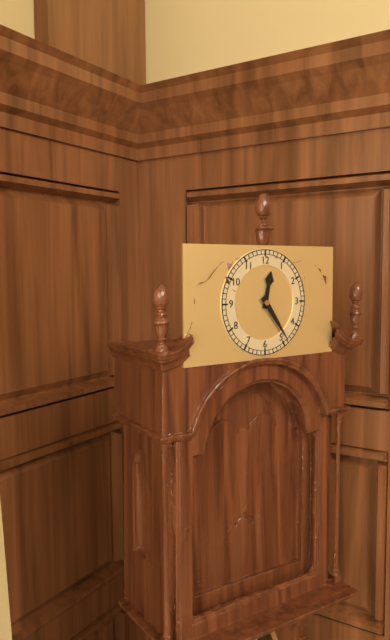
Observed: 12 h 24 min
